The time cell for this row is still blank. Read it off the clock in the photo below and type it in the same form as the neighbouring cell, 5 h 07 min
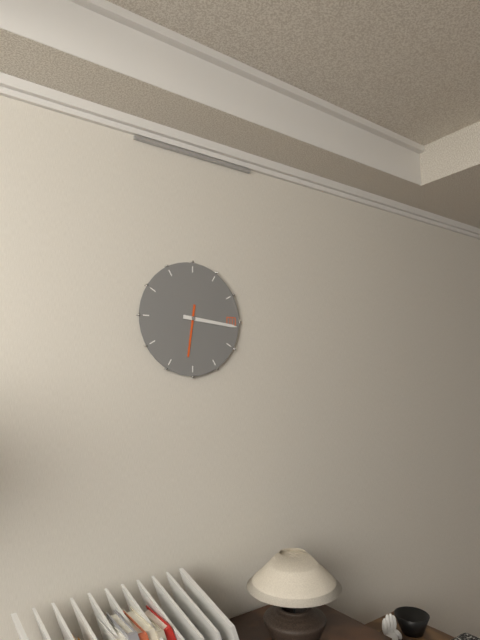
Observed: 6 h 16 min
